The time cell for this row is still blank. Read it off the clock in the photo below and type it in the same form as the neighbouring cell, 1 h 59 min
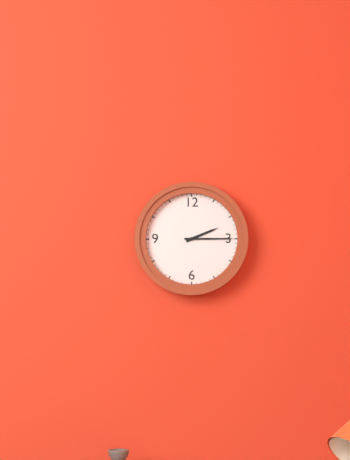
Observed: 2 h 15 min
